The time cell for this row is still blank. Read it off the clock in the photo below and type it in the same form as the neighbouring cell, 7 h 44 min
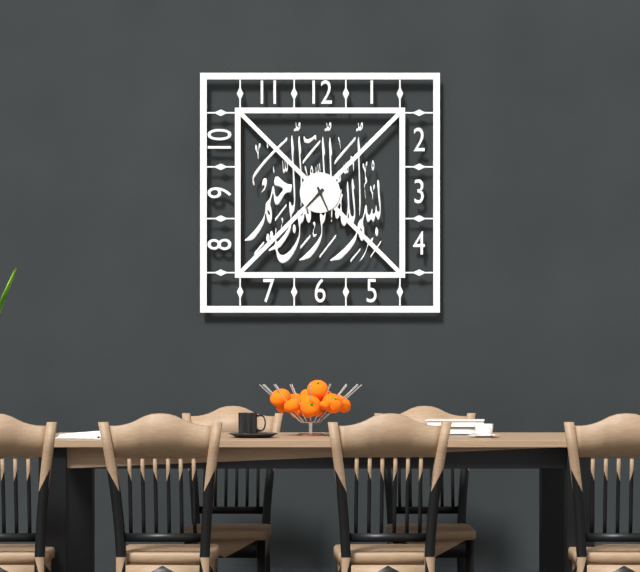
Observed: 7 h 26 min
